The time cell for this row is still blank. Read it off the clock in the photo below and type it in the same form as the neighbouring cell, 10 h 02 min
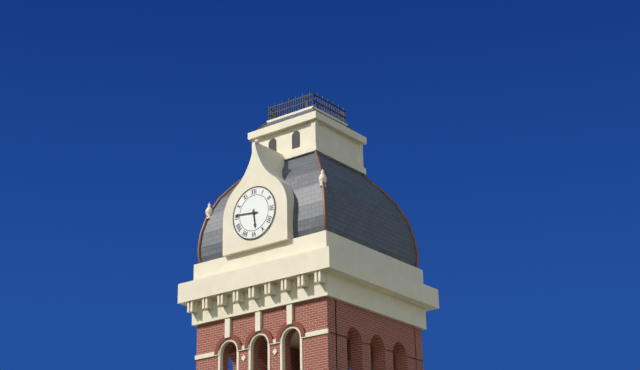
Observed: 5 h 46 min
